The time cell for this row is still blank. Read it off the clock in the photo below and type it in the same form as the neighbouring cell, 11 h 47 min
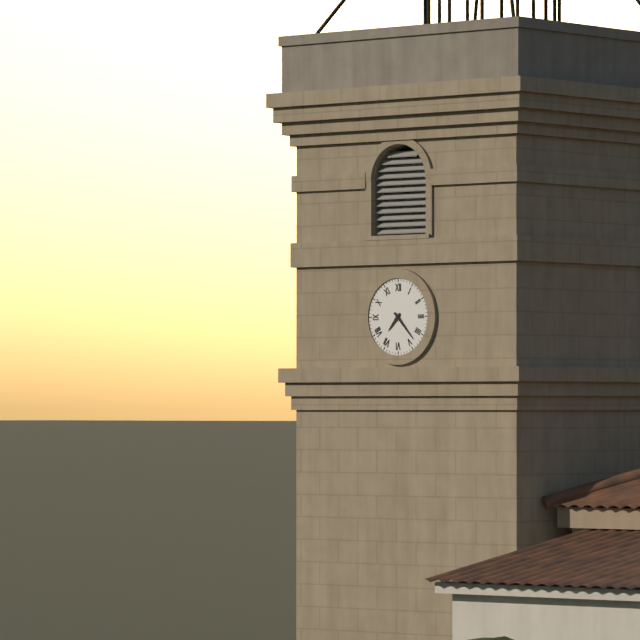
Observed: 7 h 23 min
